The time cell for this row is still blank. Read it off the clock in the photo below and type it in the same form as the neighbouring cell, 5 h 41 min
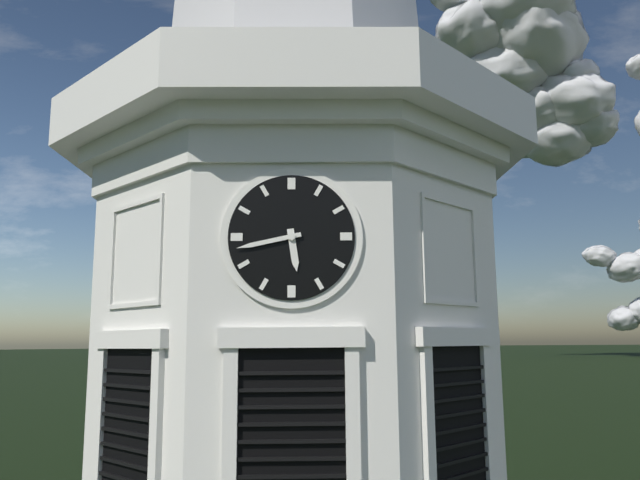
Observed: 5 h 43 min
